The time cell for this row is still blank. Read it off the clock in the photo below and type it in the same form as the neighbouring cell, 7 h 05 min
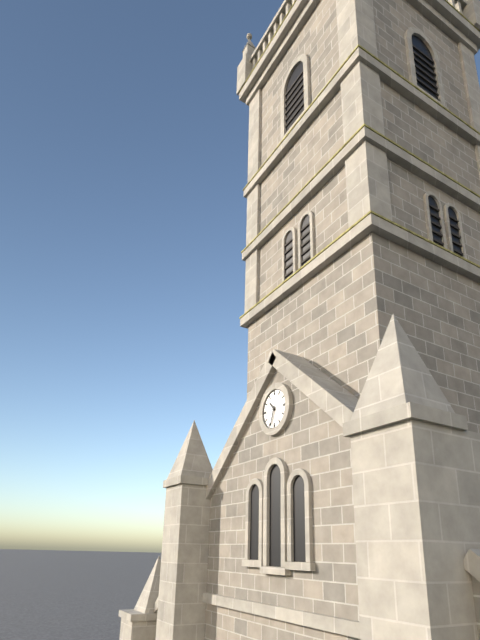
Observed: 10 h 33 min
